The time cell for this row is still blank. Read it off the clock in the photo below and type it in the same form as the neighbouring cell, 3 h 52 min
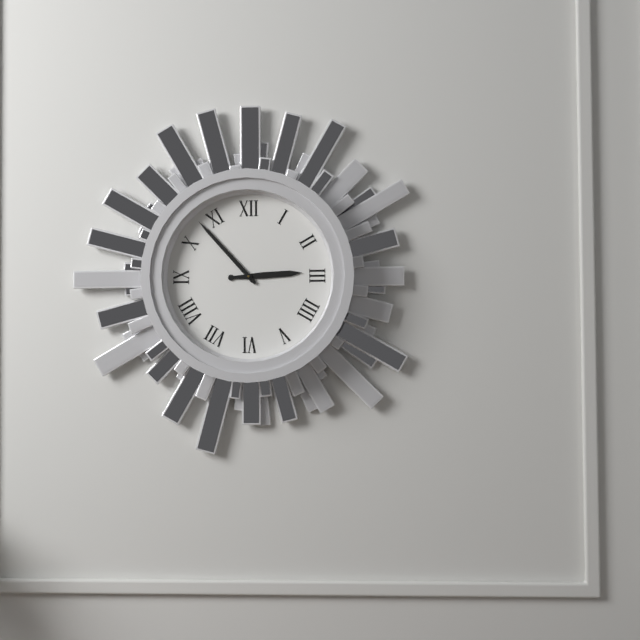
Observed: 2 h 53 min
